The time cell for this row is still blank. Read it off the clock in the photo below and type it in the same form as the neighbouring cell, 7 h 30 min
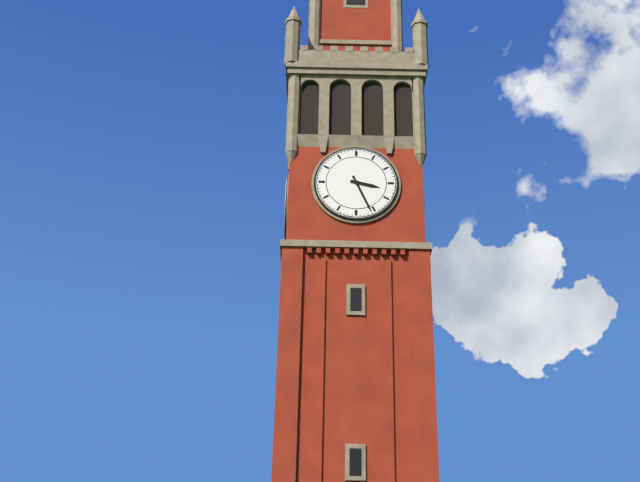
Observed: 3 h 26 min
